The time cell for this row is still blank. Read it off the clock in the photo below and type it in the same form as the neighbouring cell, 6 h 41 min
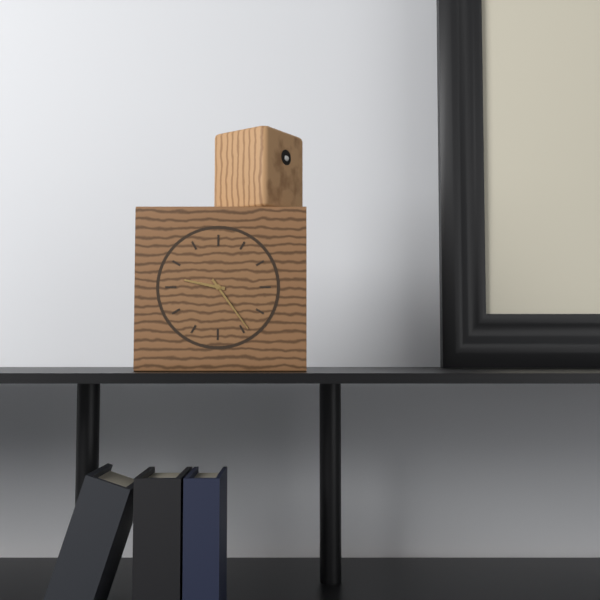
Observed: 9 h 24 min
